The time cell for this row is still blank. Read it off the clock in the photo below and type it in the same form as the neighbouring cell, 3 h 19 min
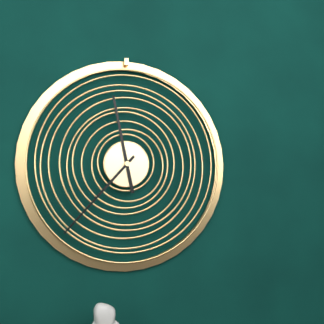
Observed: 11 h 37 min
